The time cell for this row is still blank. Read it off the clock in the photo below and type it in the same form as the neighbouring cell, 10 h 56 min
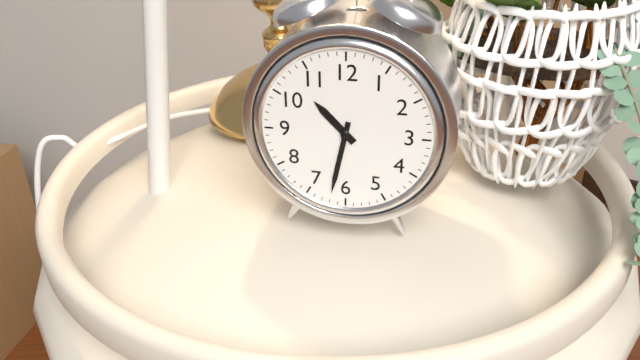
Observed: 10 h 32 min
